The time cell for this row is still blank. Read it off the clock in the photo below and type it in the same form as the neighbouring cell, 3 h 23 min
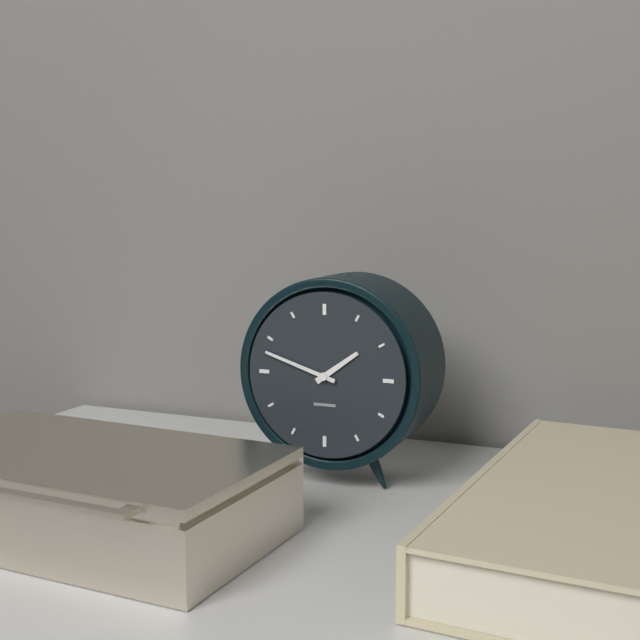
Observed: 1 h 48 min
